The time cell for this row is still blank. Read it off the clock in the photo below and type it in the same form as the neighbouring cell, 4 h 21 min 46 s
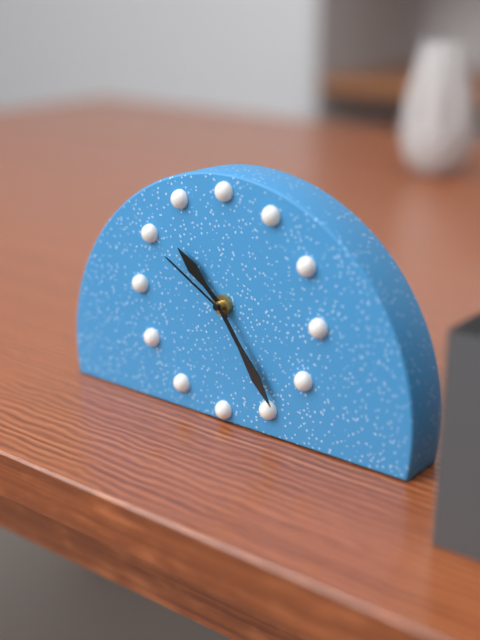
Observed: 10 h 24 min 50 s
